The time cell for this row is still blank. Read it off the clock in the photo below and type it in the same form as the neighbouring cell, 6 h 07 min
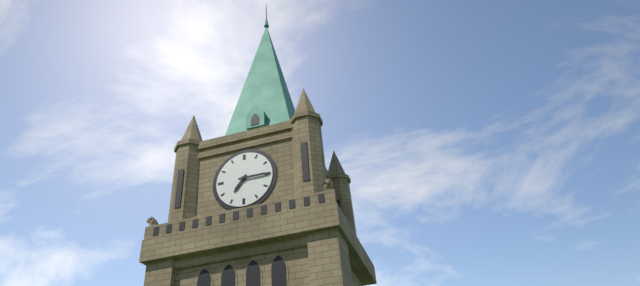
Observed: 7 h 15 min
